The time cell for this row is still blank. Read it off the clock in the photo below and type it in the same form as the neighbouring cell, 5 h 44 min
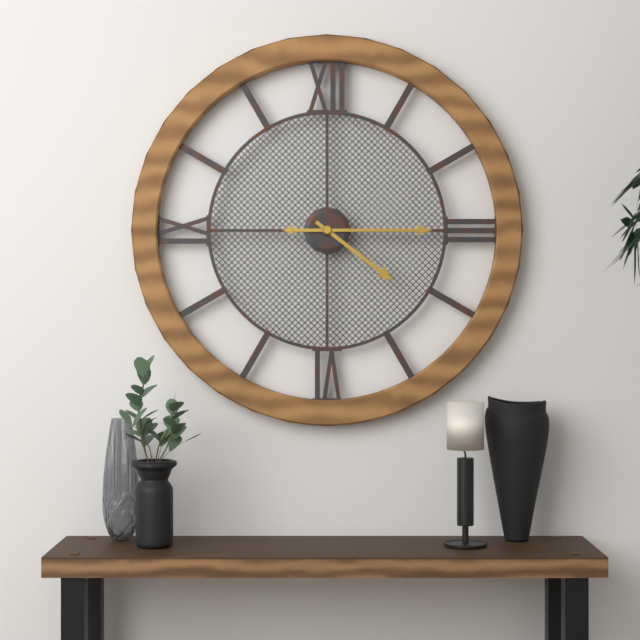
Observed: 4 h 15 min
